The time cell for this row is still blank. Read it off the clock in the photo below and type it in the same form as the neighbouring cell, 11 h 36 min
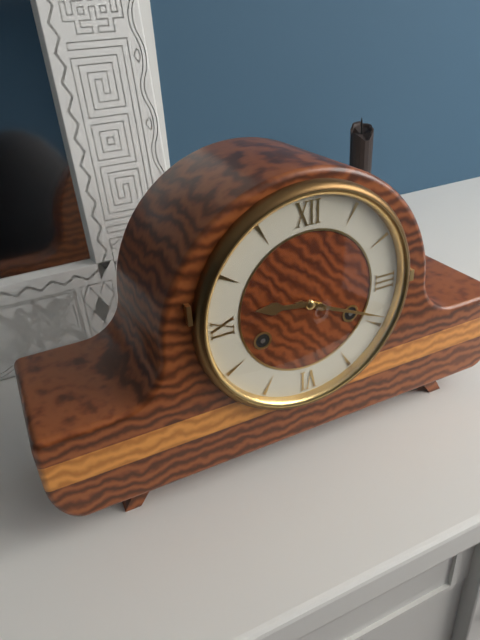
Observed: 9 h 19 min
